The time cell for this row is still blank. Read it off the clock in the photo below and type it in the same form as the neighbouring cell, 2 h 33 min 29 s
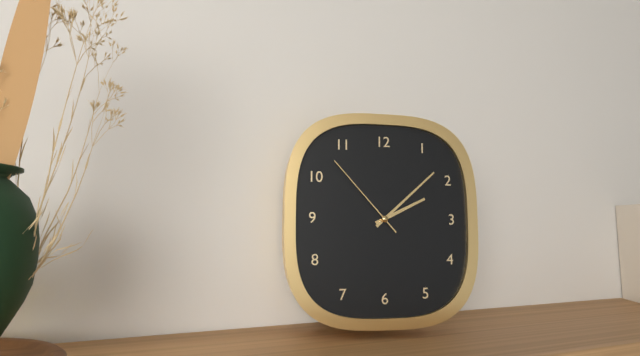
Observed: 2 h 08 min 53 s
